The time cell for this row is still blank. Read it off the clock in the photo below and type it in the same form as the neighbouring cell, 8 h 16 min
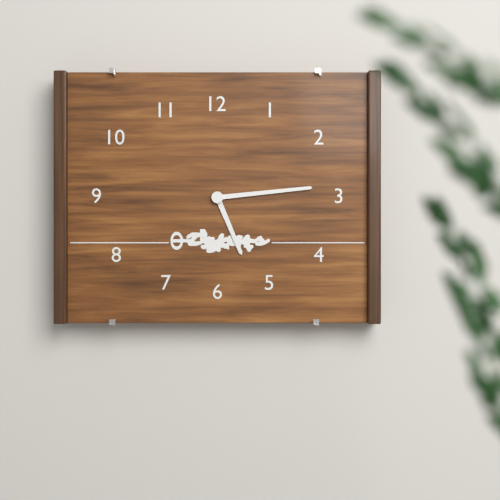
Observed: 5 h 14 min
